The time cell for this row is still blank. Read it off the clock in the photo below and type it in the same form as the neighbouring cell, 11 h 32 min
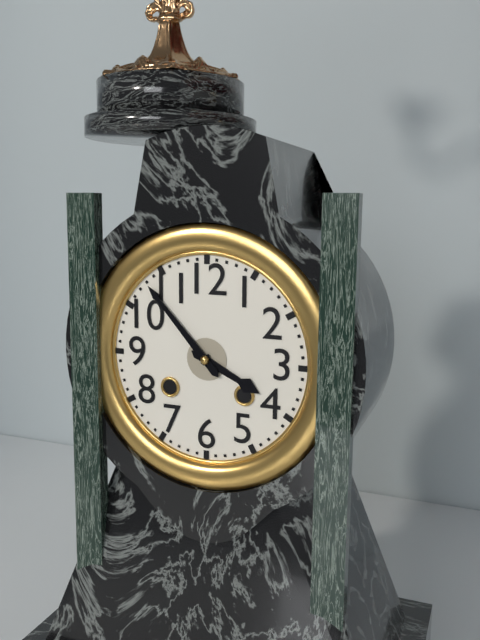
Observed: 3 h 53 min
